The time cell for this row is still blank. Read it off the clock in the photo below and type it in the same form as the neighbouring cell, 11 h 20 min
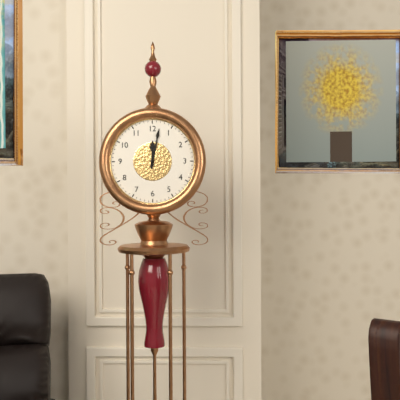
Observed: 12 h 02 min
